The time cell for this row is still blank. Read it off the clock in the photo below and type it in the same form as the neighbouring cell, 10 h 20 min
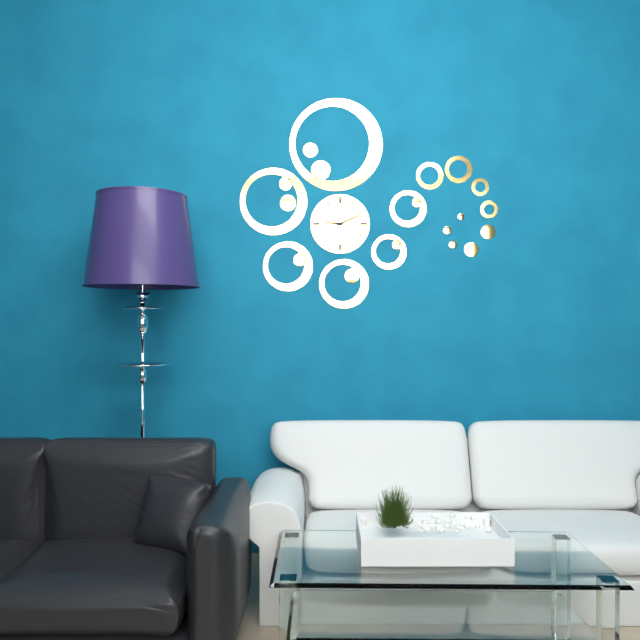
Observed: 9 h 11 min
